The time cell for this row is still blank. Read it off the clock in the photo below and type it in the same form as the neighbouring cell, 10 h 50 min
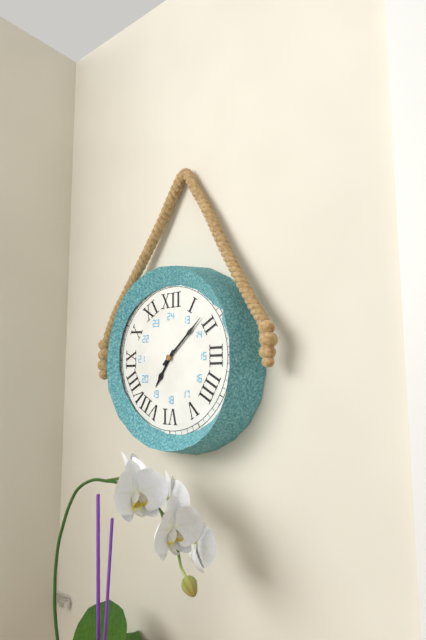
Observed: 7 h 08 min
